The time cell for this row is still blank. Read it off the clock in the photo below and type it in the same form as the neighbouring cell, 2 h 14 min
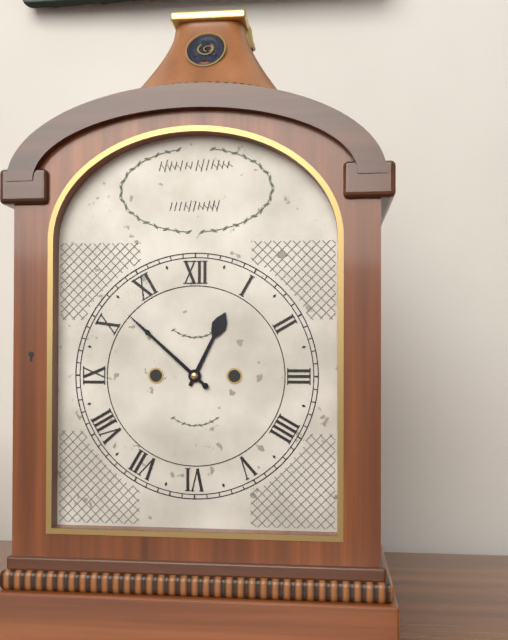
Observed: 12 h 52 min
